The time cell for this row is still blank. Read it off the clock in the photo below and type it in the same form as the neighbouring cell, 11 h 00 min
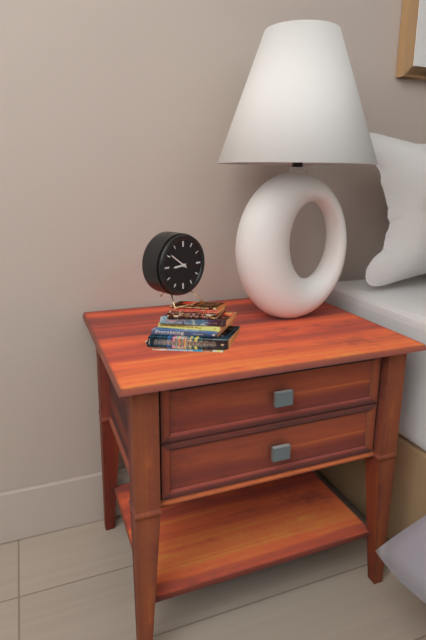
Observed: 8 h 51 min
